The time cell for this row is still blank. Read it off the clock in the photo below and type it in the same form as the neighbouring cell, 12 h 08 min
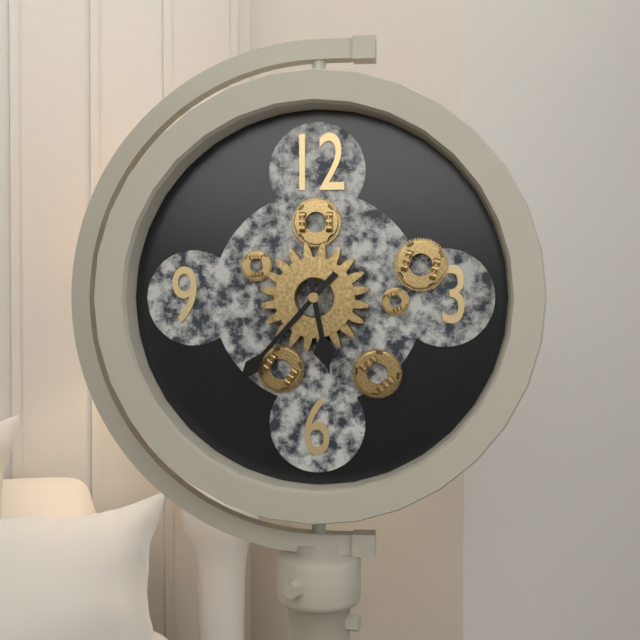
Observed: 5 h 37 min
